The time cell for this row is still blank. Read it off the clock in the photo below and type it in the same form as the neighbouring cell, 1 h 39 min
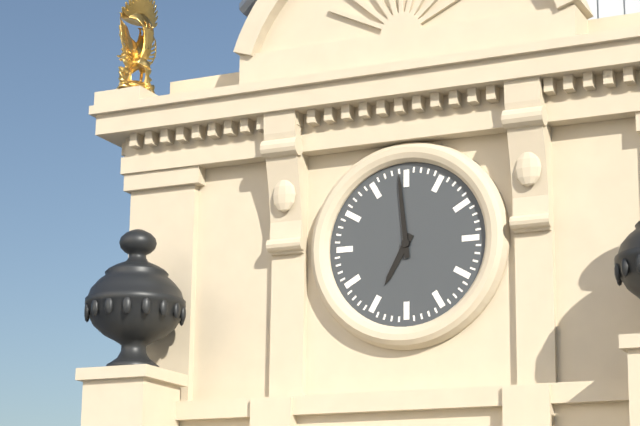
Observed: 6 h 59 min
